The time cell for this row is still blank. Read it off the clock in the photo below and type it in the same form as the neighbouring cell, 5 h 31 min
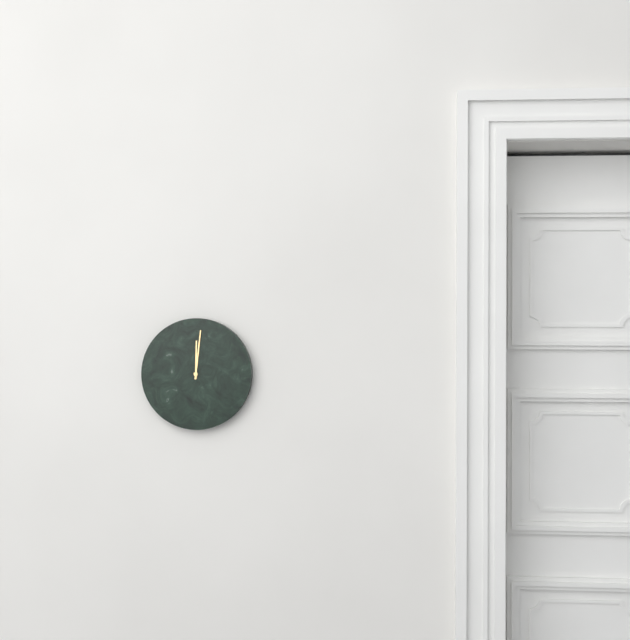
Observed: 12 h 01 min
